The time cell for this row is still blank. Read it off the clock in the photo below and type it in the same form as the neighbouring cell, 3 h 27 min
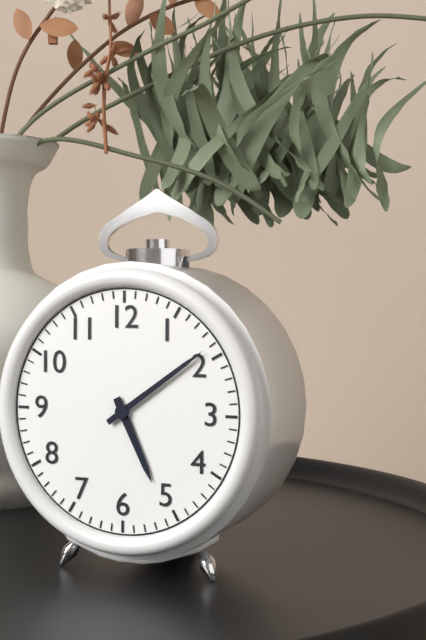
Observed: 5 h 09 min
